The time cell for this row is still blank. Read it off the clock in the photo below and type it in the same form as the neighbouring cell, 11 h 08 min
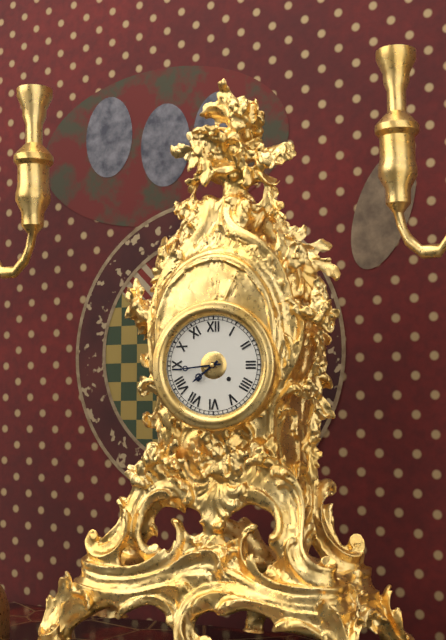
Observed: 7 h 44 min
